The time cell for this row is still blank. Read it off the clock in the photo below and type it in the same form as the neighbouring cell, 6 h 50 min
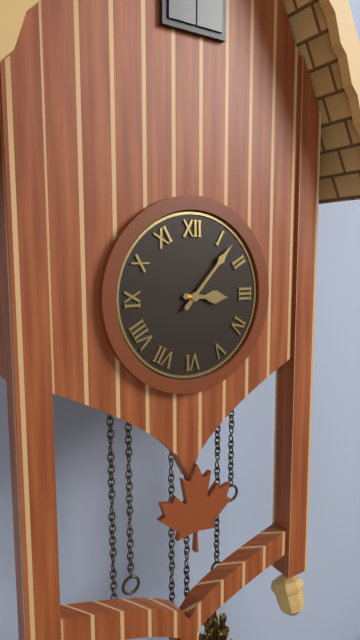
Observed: 3 h 07 min
